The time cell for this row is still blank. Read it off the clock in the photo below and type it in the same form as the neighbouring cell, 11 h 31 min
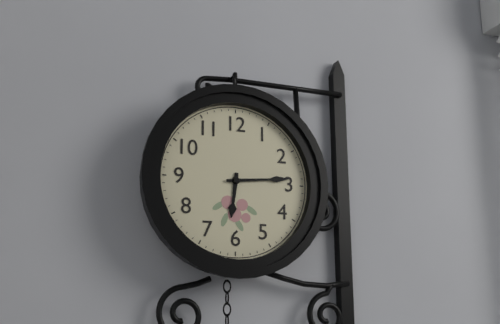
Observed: 6 h 14 min
